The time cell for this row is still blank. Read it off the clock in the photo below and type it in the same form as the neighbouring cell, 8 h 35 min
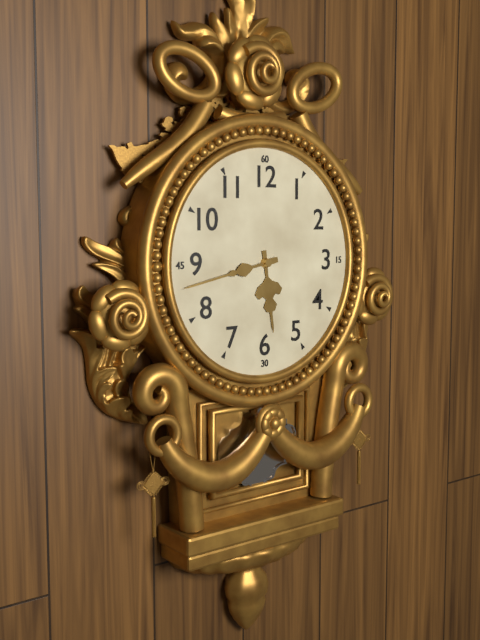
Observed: 5 h 43 min
